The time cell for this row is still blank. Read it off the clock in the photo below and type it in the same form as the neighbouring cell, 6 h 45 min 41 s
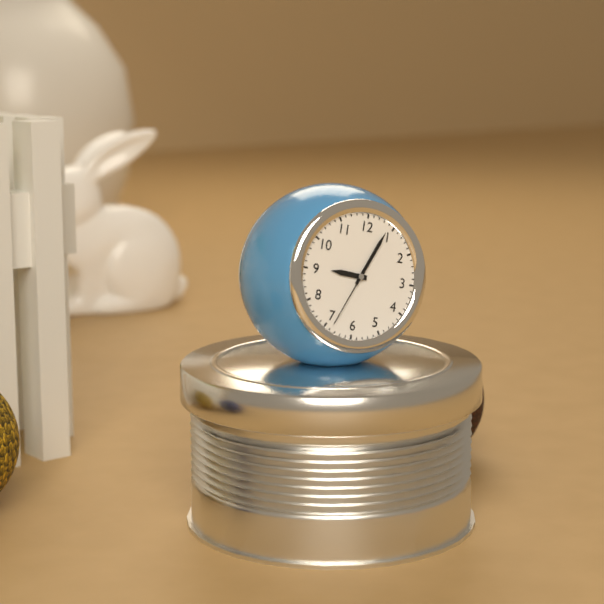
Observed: 9 h 04 min 34 s
